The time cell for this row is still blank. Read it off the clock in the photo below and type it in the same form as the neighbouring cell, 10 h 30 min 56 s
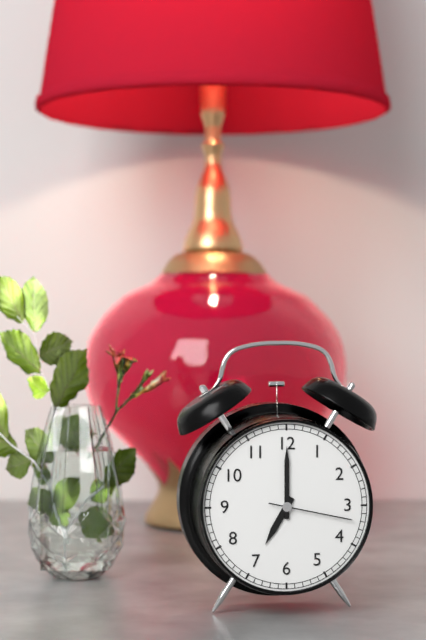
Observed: 7 h 00 min 17 s
